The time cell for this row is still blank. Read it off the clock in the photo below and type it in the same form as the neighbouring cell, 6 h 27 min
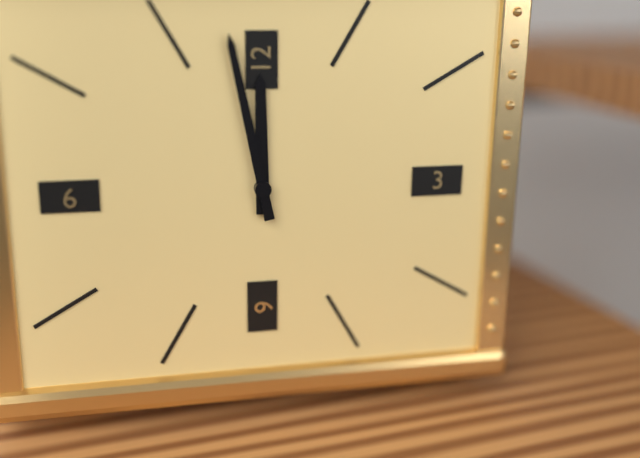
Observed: 11 h 58 min
